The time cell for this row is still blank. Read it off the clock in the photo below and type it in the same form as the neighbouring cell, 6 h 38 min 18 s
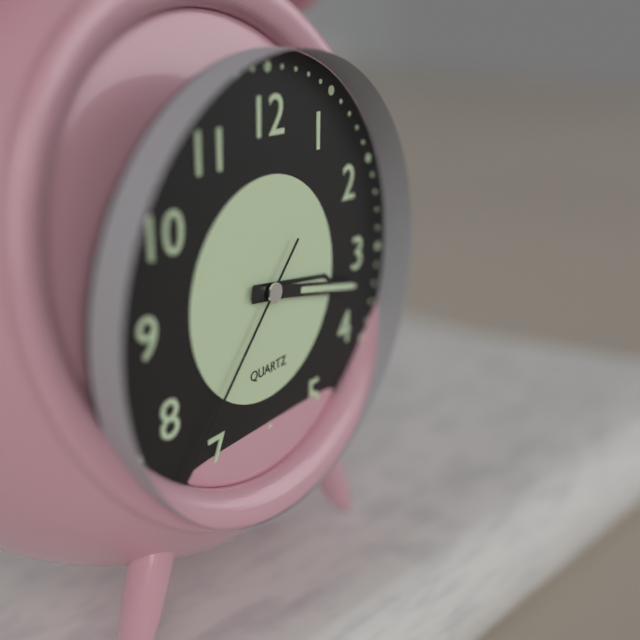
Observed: 3 h 17 min 37 s
